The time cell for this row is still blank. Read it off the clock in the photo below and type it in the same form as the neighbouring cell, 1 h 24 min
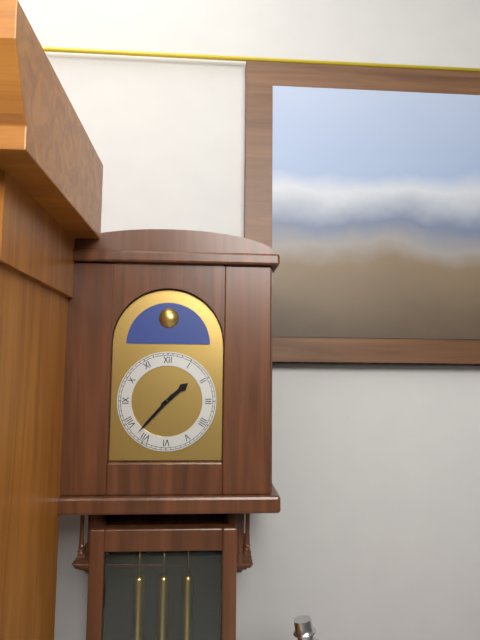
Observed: 1 h 37 min
